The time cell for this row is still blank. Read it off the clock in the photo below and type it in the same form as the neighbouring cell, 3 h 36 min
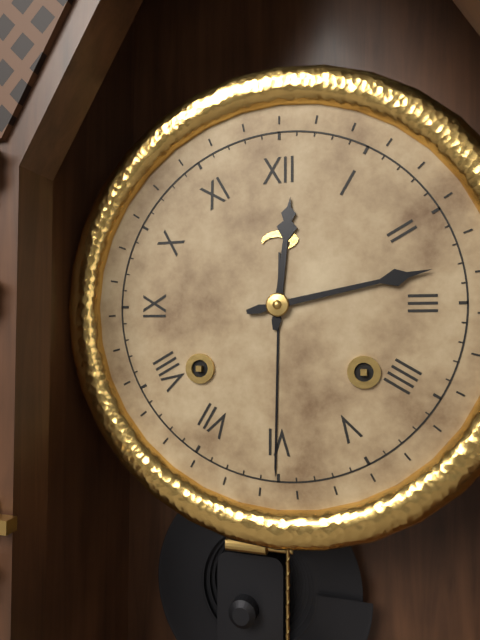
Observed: 12 h 13 min
